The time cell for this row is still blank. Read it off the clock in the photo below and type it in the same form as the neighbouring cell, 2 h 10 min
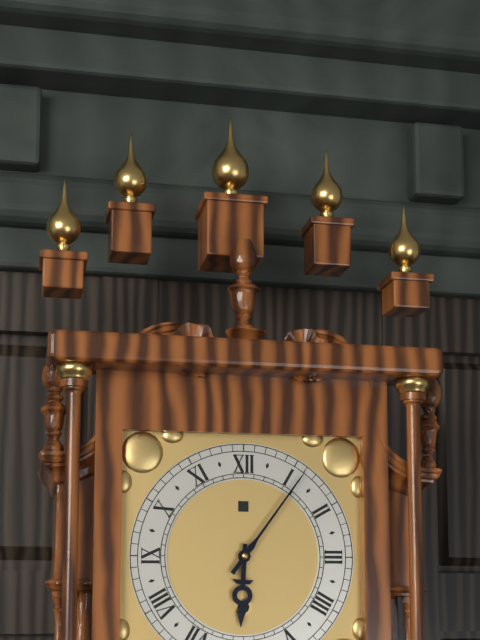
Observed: 6 h 06 min
